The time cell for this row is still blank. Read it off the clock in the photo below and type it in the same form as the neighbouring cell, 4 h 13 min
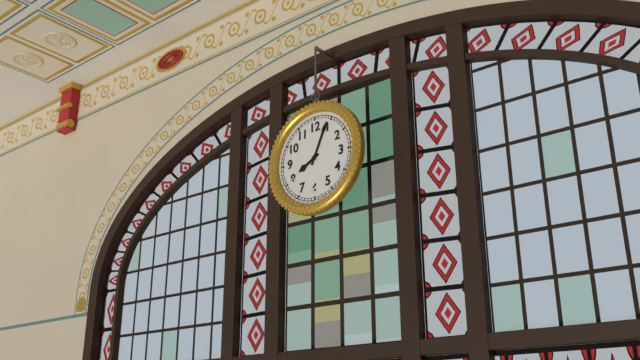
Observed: 8 h 04 min
